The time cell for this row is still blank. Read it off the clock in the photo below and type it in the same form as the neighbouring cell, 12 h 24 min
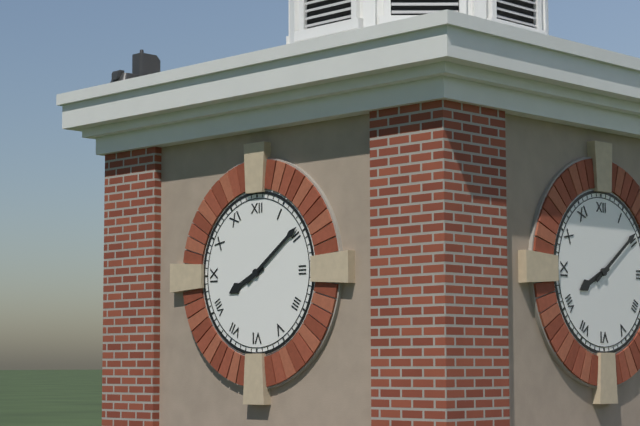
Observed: 8 h 09 min
